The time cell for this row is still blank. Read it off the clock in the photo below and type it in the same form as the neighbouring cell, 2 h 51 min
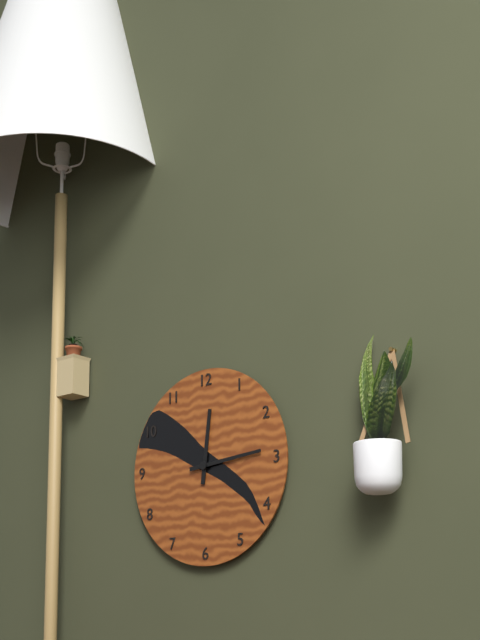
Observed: 12 h 14 min
